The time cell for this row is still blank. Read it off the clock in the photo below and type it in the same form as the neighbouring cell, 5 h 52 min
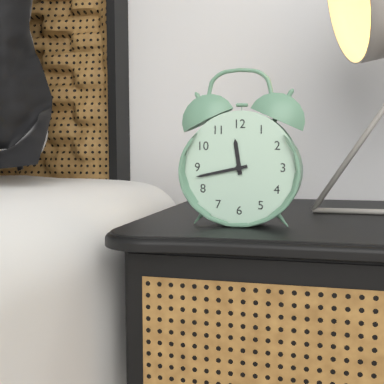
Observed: 11 h 43 min
